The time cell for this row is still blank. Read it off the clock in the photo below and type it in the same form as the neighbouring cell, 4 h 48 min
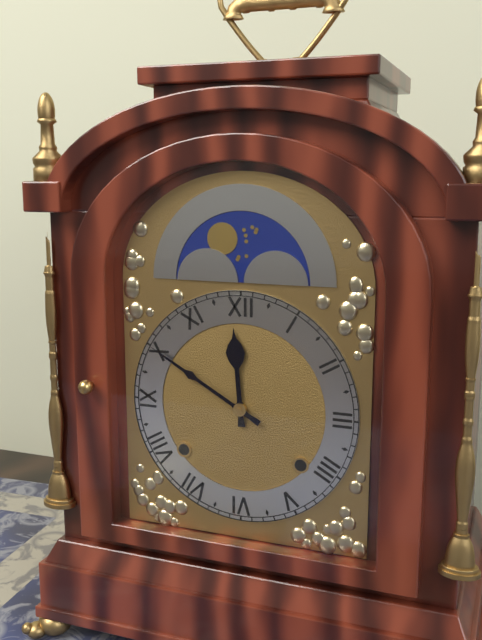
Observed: 11 h 50 min
